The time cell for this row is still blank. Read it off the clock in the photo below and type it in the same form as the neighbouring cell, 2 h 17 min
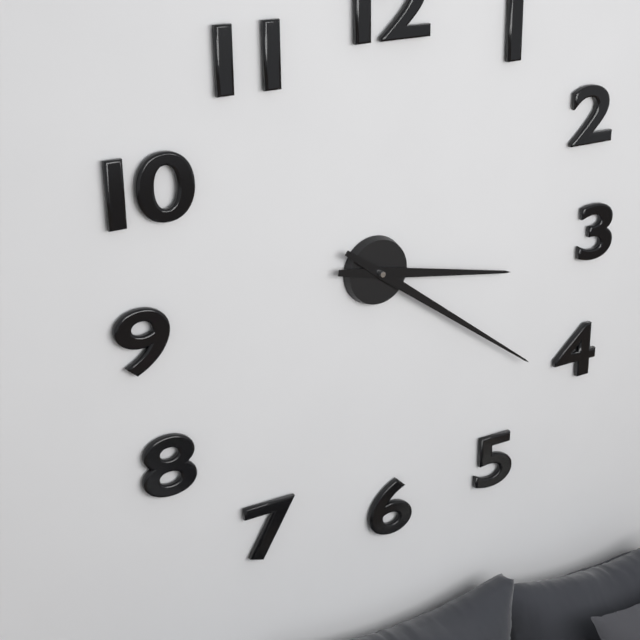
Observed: 3 h 21 min
